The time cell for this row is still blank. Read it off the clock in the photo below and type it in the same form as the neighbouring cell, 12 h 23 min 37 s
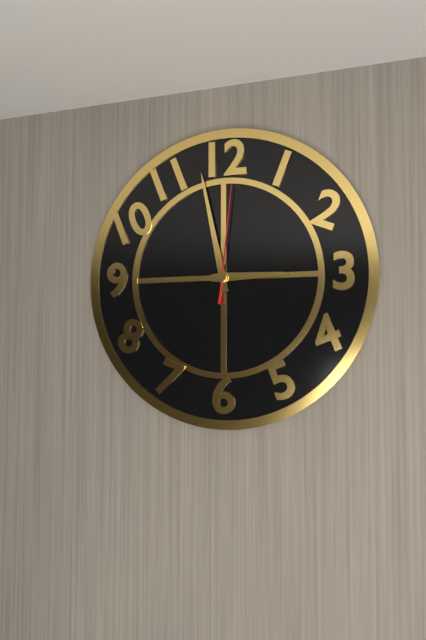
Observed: 2 h 58 min 01 s
